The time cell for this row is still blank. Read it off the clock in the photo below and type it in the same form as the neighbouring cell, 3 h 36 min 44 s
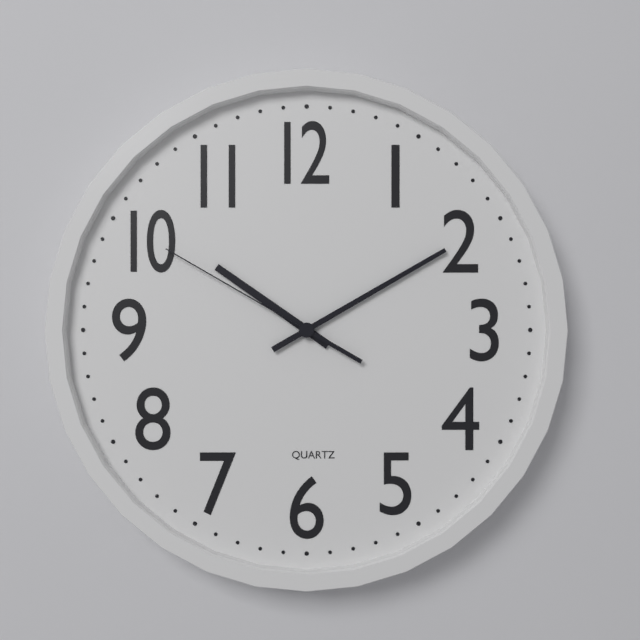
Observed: 10 h 10 min 50 s
